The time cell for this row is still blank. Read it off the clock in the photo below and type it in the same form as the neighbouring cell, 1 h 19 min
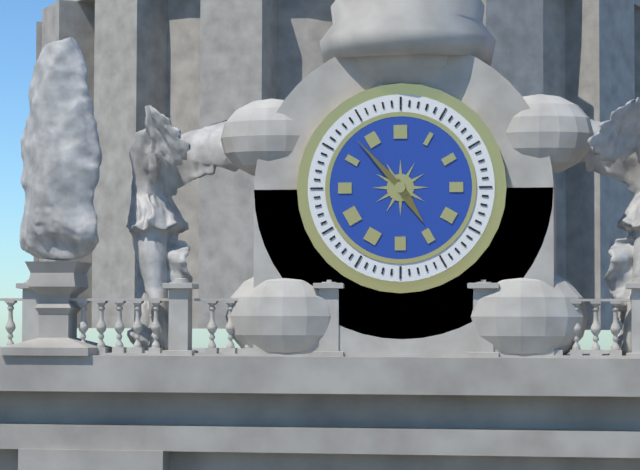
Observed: 4 h 53 min
